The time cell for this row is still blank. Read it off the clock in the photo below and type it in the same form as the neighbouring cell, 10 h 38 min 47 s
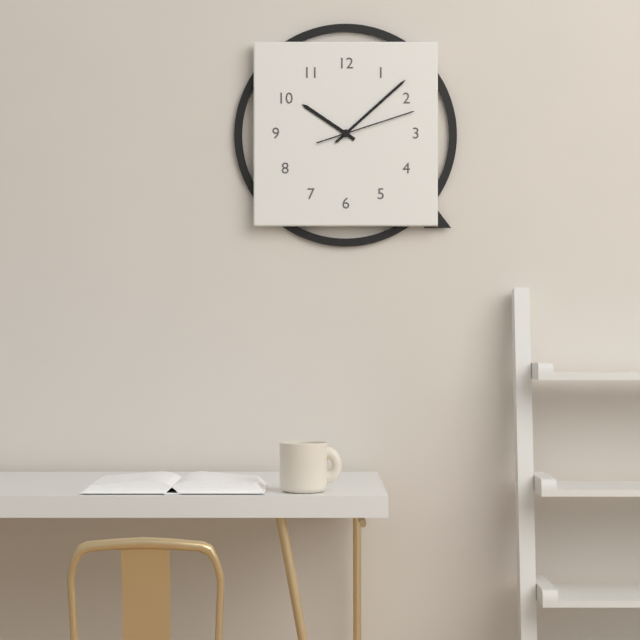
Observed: 10 h 08 min 12 s
